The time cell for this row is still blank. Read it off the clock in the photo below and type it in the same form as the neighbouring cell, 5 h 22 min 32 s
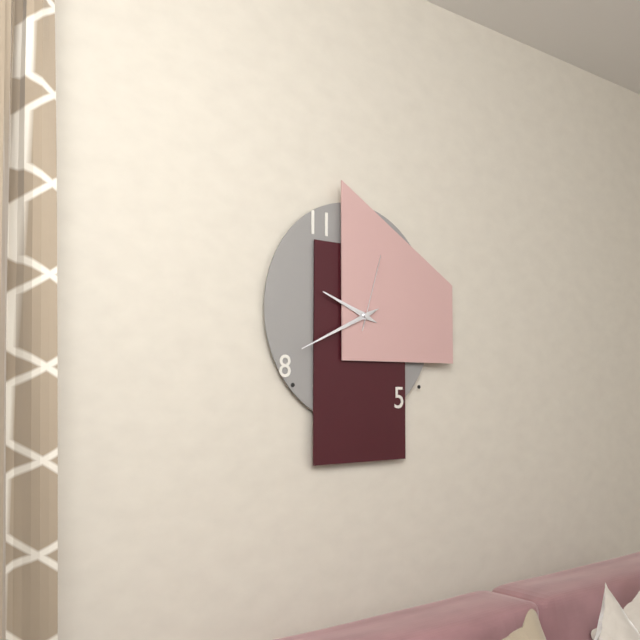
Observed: 9 h 41 min 03 s
